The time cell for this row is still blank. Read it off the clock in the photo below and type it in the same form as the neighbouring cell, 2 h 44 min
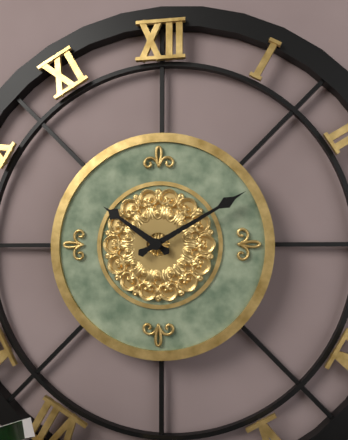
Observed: 10 h 10 min
